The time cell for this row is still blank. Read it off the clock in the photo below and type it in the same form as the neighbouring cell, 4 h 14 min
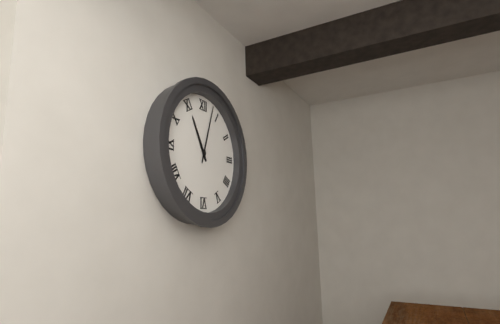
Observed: 11 h 03 min
